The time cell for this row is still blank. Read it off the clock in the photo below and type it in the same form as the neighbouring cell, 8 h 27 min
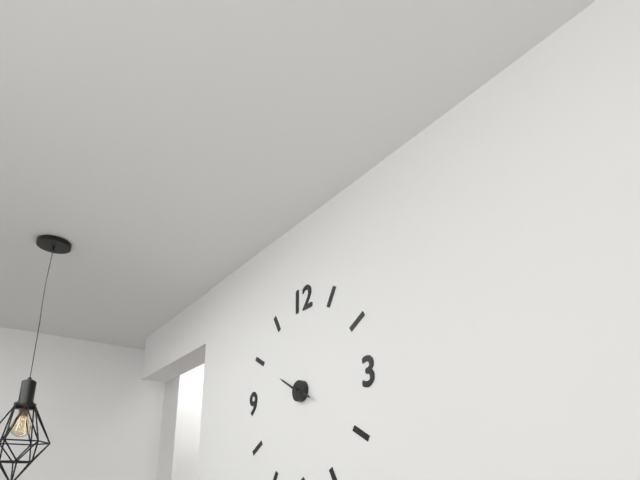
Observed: 3 h 50 min
